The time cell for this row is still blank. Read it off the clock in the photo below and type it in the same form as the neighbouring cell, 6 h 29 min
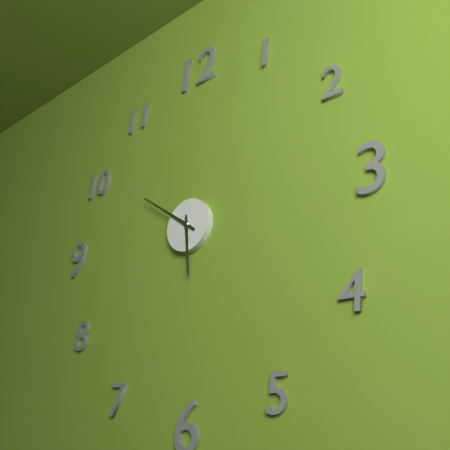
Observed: 5 h 51 min
